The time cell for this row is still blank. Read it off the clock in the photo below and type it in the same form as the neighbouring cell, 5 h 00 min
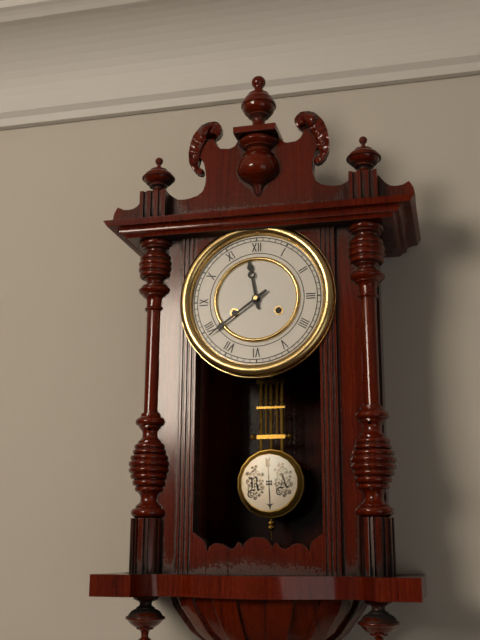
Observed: 11 h 39 min
